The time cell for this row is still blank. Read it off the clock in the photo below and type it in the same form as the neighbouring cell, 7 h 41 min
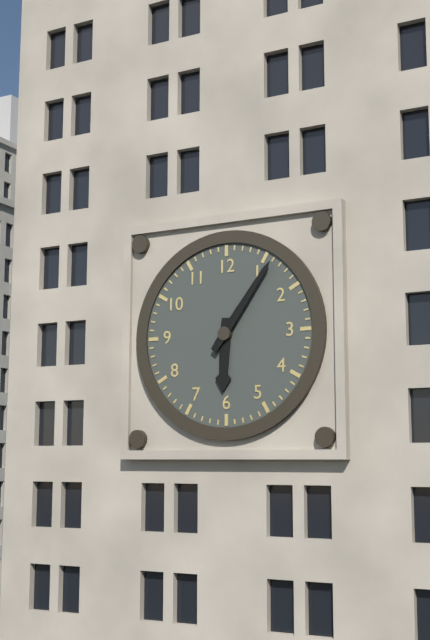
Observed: 6 h 06 min
